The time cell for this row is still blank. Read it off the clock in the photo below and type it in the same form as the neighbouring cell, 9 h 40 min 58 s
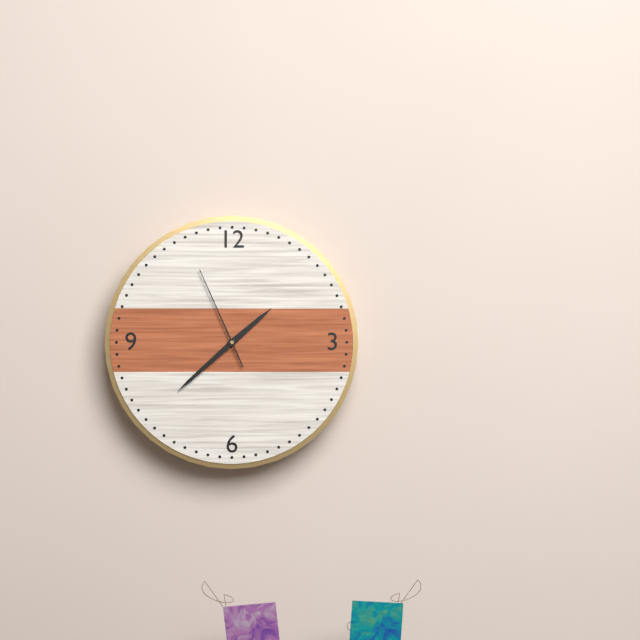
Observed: 1 h 38 min 56 s
